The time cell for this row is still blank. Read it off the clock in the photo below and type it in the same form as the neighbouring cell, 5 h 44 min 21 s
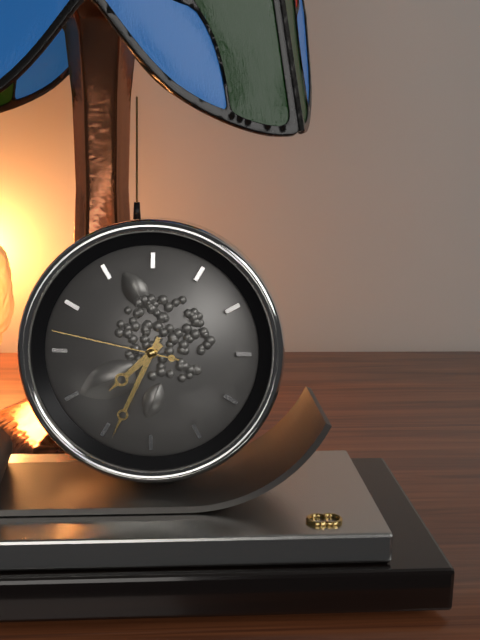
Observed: 7 h 34 min 47 s
